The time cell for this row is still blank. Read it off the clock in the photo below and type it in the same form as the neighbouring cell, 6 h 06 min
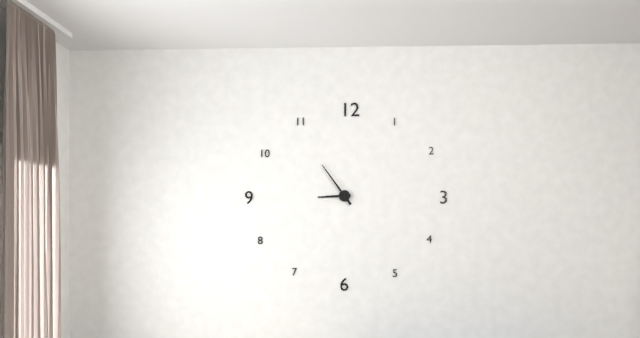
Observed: 8 h 54 min
